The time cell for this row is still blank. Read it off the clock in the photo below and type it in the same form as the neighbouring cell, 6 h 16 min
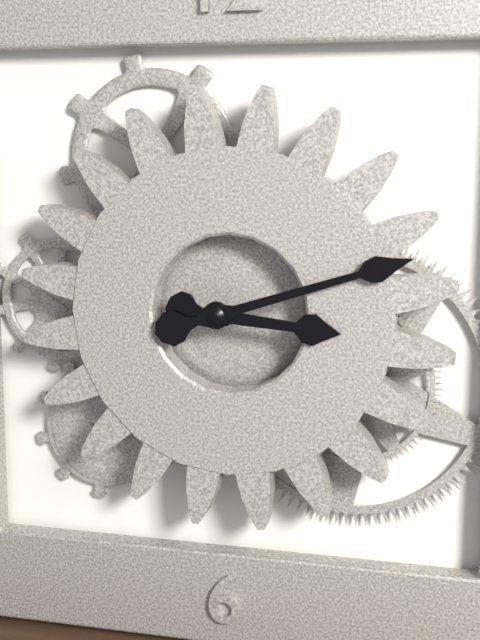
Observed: 3 h 12 min
